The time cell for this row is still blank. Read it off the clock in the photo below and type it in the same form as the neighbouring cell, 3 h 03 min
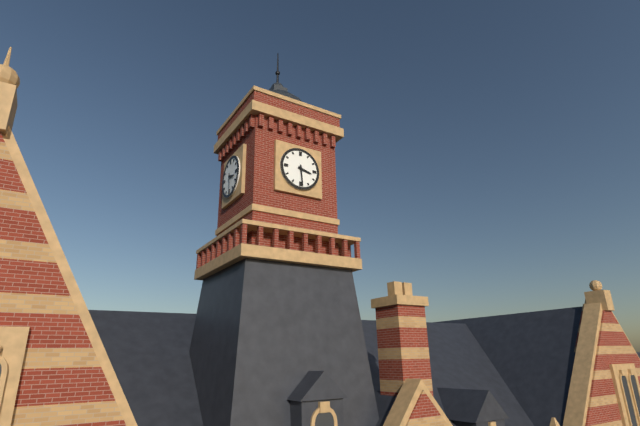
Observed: 3 h 29 min
